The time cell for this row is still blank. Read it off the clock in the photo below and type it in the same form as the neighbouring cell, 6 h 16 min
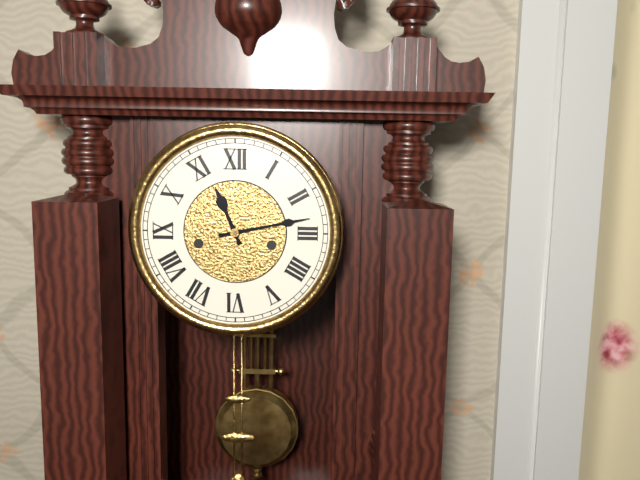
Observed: 11 h 13 min
